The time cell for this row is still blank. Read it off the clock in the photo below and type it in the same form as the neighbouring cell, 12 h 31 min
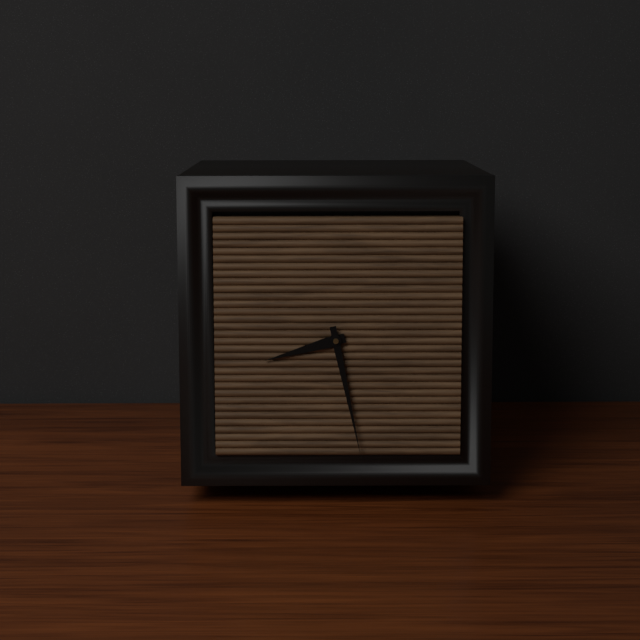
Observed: 8 h 28 min
